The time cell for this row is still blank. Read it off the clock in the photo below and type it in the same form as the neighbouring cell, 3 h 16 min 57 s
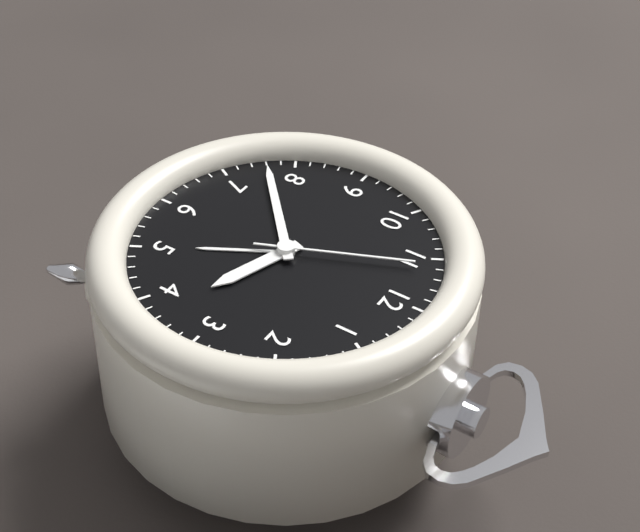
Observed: 3 h 38 min 56 s
